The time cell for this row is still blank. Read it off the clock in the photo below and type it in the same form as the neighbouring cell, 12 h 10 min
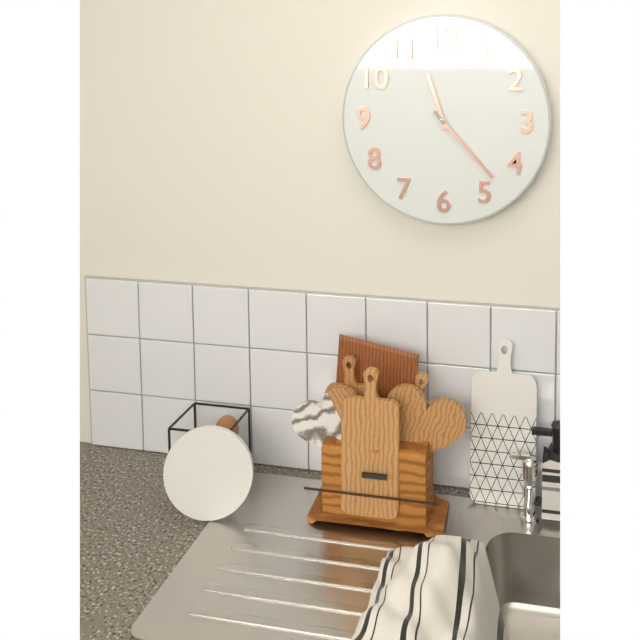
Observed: 11 h 23 min
